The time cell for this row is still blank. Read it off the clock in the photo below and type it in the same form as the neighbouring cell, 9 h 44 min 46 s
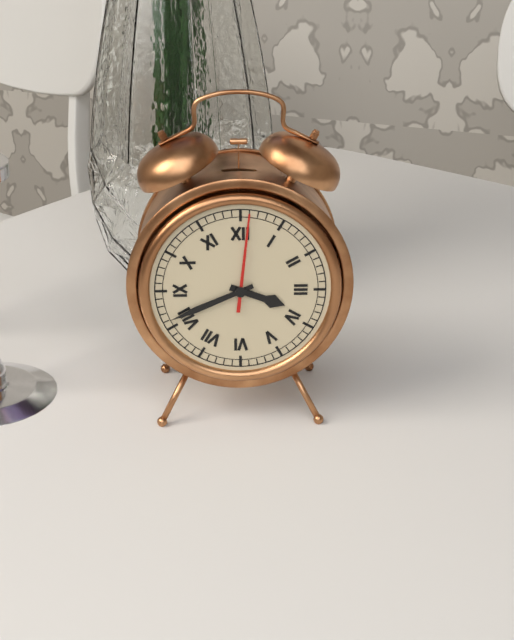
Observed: 3 h 41 min 01 s
